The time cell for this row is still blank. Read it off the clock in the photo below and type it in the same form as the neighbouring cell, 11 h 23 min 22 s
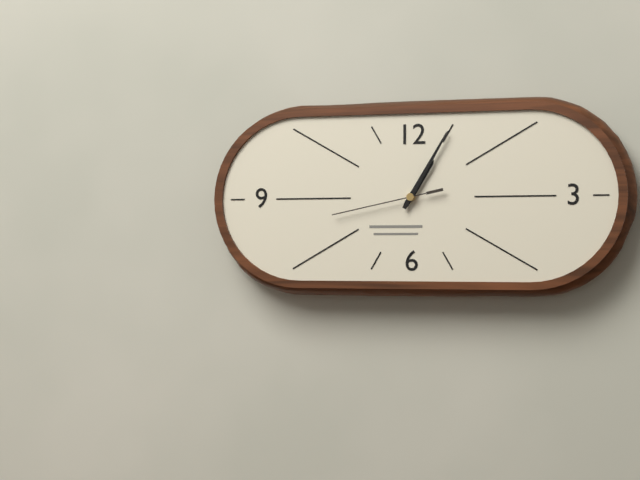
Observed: 1 h 05 min 43 s
